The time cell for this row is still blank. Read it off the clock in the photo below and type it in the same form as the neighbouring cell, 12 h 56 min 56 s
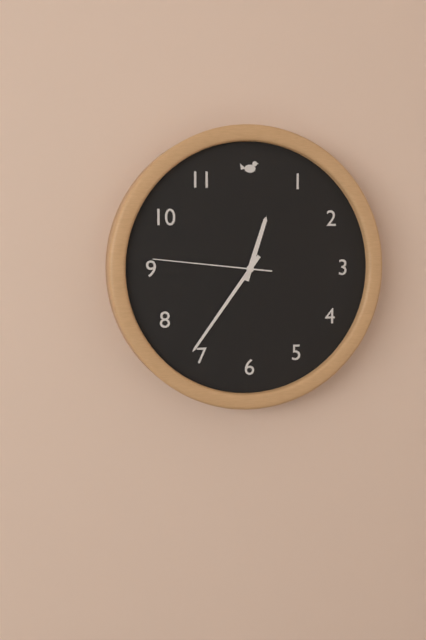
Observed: 12 h 36 min 46 s
